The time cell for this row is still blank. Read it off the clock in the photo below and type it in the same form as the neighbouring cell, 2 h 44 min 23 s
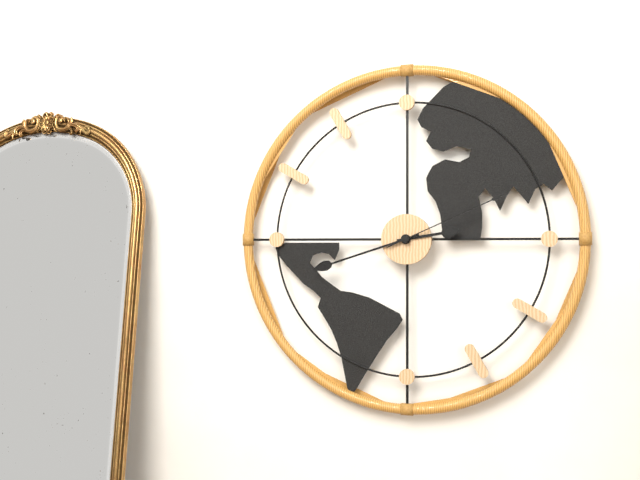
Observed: 2 h 42 min 11 s
